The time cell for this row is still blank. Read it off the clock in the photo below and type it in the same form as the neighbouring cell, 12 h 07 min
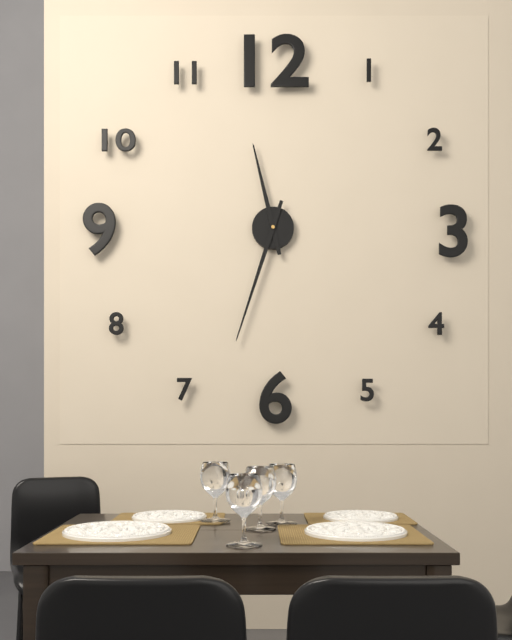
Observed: 11 h 33 min
